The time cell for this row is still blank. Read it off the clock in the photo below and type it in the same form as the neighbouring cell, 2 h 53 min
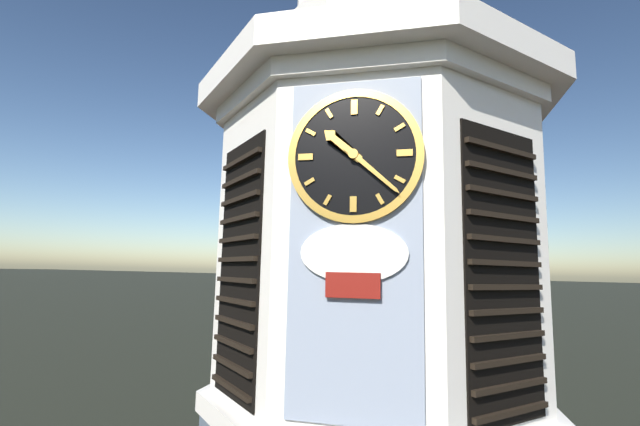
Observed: 10 h 22 min
